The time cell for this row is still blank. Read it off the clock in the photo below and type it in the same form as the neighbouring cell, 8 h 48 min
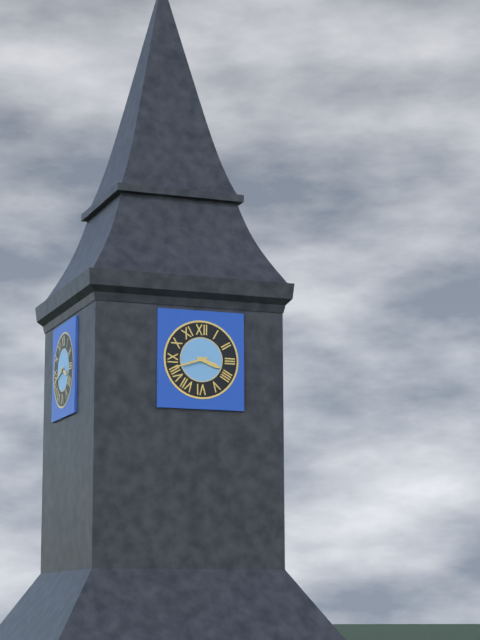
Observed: 3 h 42 min
